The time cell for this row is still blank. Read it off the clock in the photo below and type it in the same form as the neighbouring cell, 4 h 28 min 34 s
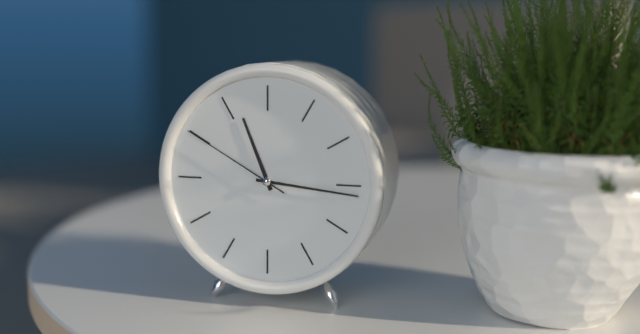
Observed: 11 h 16 min 50 s
